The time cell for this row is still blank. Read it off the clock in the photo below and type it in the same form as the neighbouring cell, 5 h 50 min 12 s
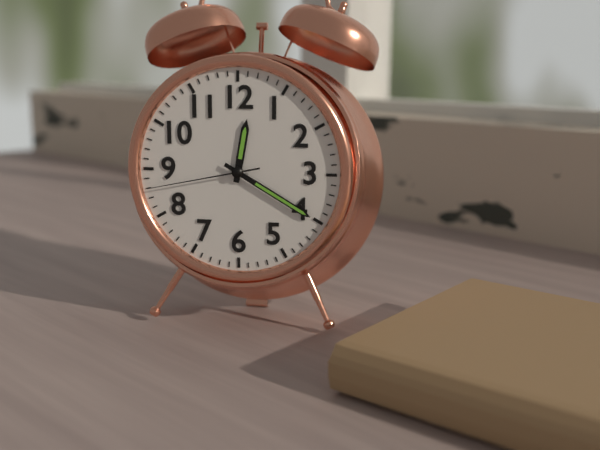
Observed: 12 h 20 min 43 s
